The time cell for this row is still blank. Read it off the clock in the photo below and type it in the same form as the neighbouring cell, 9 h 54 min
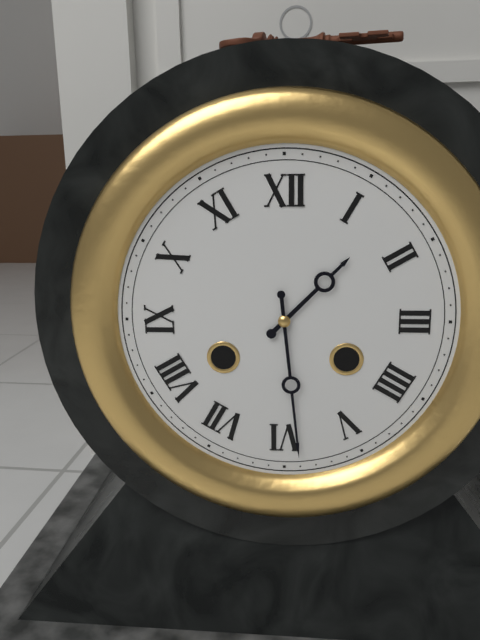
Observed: 1 h 29 min
